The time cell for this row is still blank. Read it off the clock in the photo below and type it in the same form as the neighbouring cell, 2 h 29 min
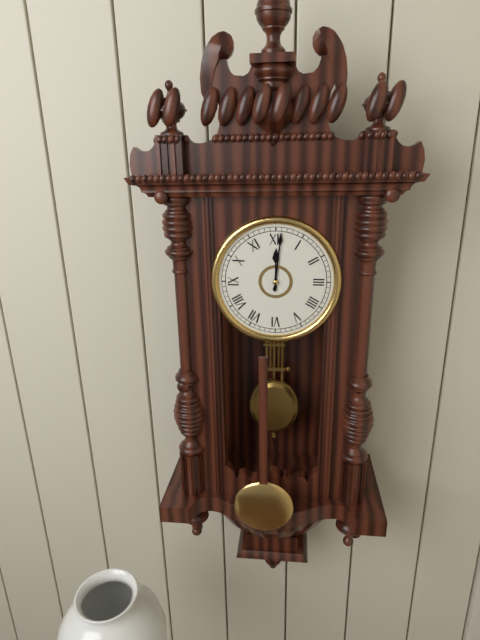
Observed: 12 h 01 min
